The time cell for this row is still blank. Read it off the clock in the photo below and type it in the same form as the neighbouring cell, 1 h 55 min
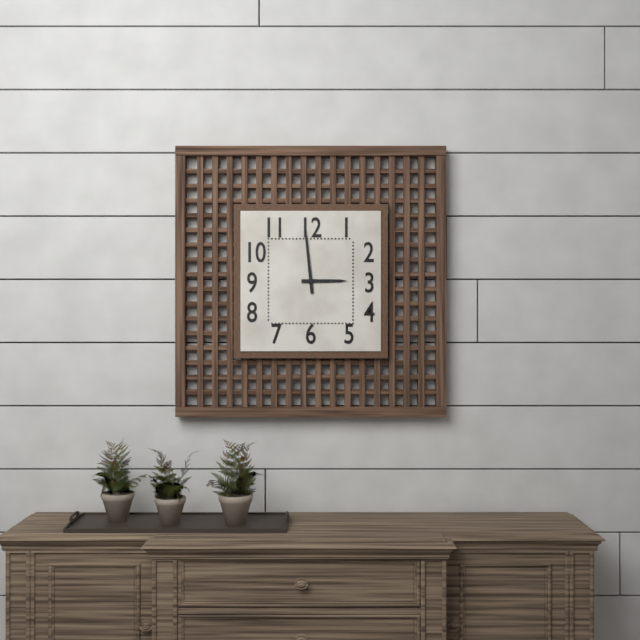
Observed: 2 h 59 min
